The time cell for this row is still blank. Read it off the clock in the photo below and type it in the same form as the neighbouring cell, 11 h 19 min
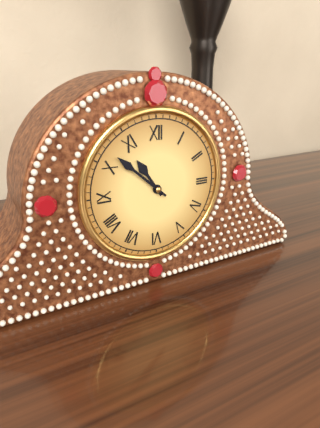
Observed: 10 h 52 min
